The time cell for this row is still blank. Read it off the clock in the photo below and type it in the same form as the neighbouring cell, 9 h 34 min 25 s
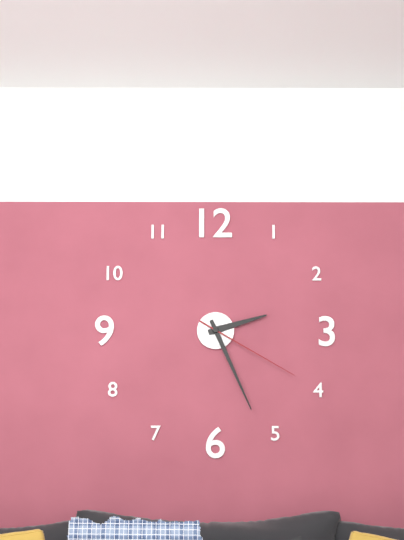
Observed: 2 h 26 min 20 s
